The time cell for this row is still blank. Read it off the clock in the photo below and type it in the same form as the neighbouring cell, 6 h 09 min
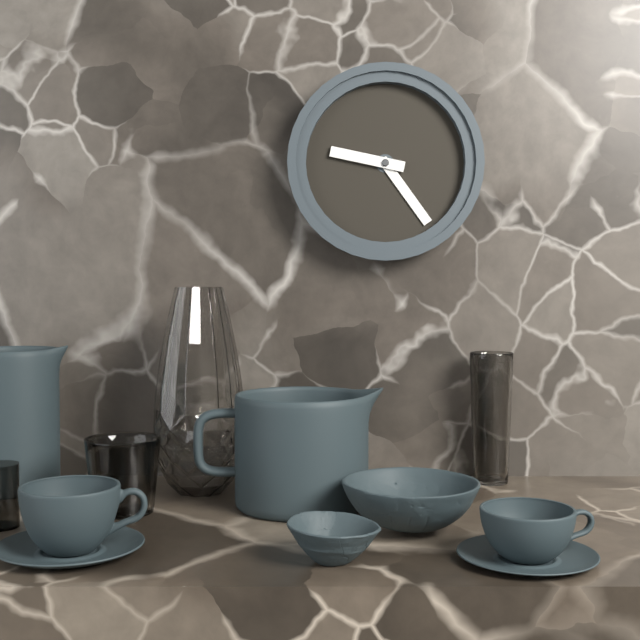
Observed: 9 h 24 min
